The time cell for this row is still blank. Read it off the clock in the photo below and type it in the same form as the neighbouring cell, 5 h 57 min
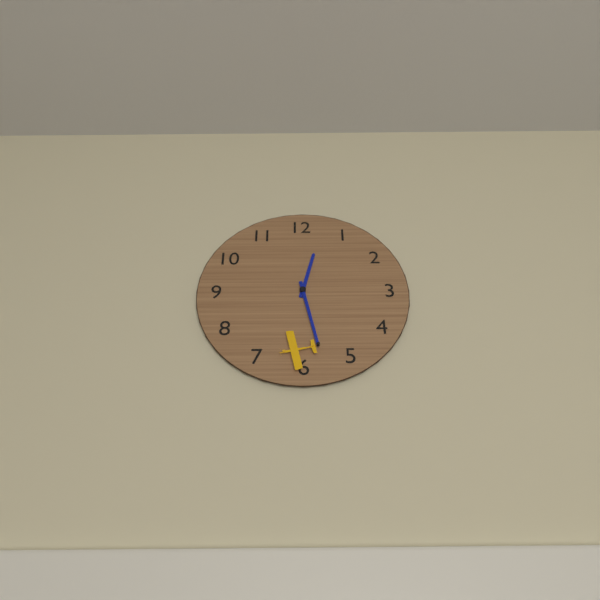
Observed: 12 h 28 min
